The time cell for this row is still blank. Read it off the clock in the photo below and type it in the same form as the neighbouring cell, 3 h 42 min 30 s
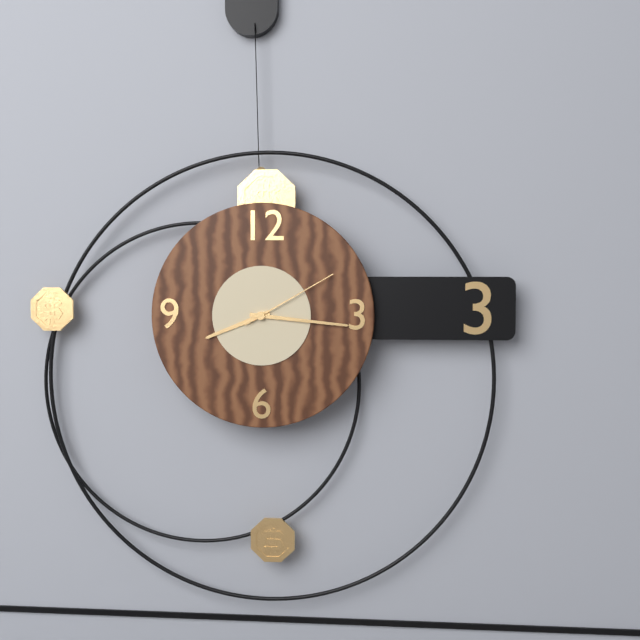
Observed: 8 h 16 min 10 s
